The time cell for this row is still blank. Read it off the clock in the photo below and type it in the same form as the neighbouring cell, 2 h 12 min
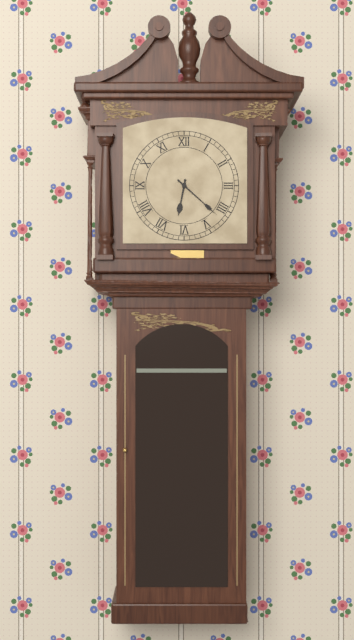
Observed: 6 h 22 min
